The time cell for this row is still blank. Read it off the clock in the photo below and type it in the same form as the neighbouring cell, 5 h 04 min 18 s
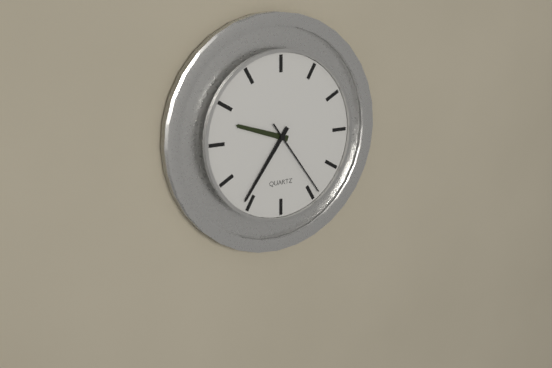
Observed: 9 h 36 min 24 s
